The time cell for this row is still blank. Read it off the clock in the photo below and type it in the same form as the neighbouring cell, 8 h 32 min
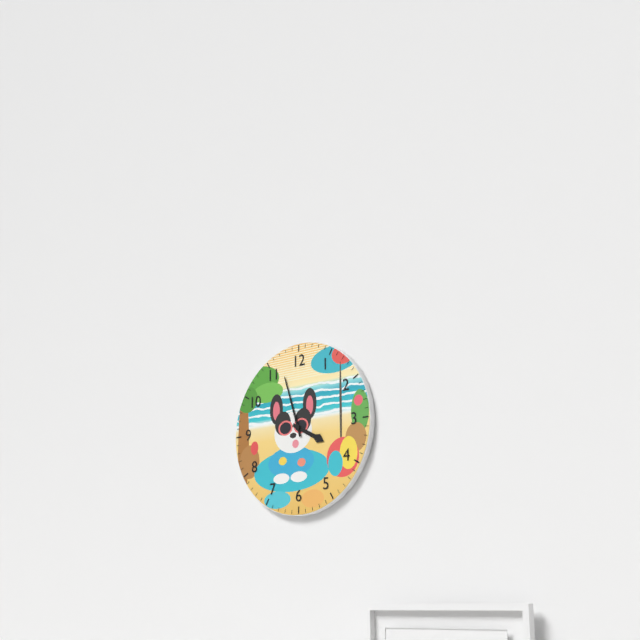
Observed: 3 h 57 min
